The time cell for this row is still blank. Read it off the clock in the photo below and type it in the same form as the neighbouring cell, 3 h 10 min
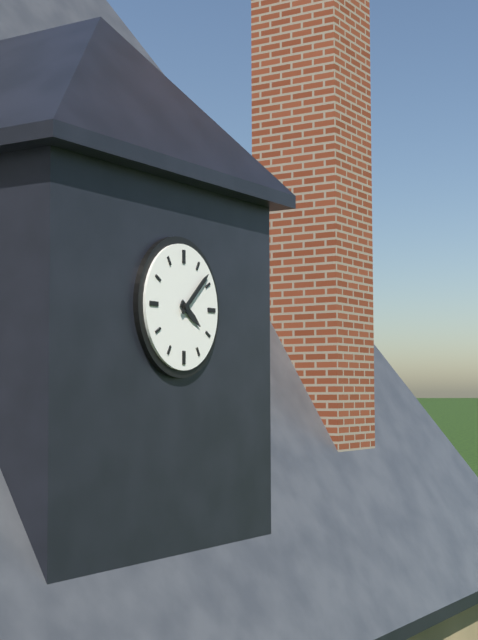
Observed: 4 h 08 min
